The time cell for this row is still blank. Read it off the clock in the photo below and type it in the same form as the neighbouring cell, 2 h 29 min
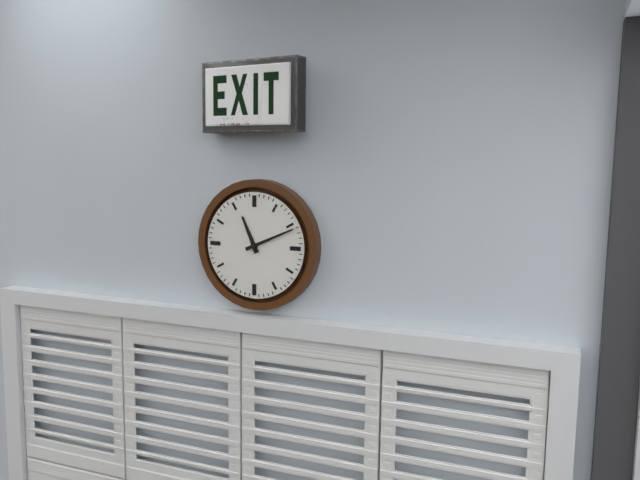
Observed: 11 h 11 min
